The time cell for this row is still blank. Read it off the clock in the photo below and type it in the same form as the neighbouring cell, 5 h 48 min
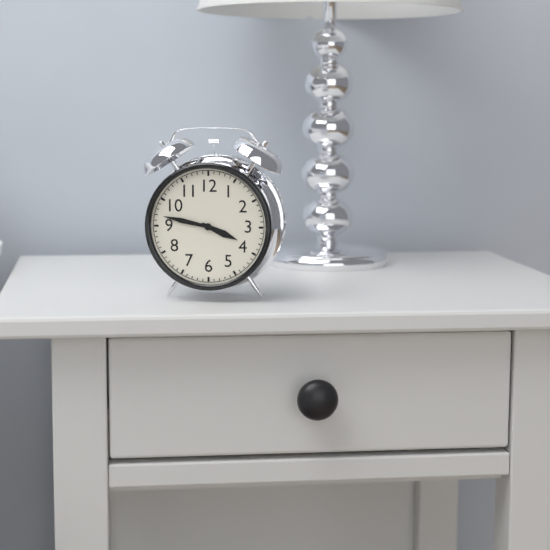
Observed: 3 h 47 min
